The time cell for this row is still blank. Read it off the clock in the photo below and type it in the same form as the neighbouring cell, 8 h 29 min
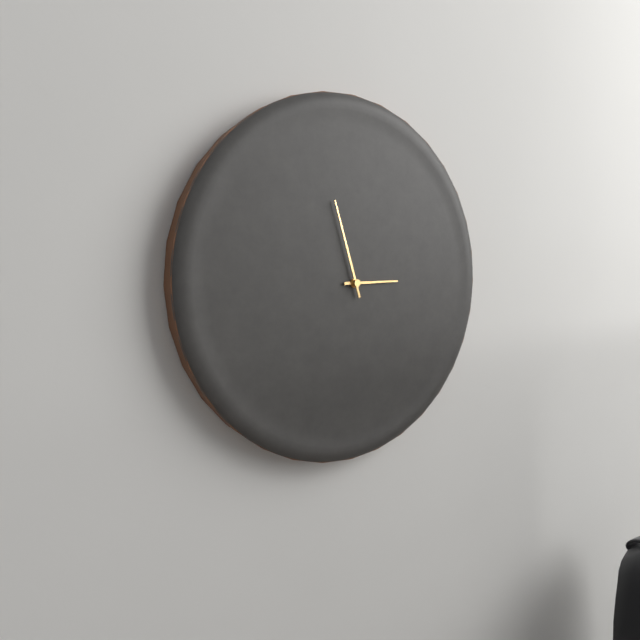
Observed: 2 h 57 min
